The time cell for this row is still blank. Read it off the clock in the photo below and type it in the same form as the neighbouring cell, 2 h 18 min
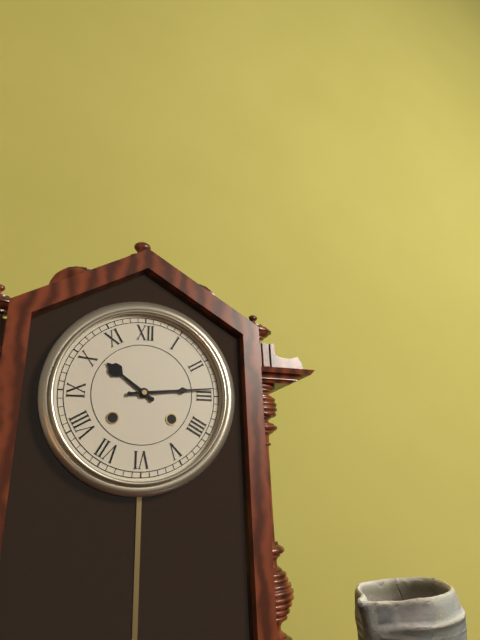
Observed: 10 h 14 min
